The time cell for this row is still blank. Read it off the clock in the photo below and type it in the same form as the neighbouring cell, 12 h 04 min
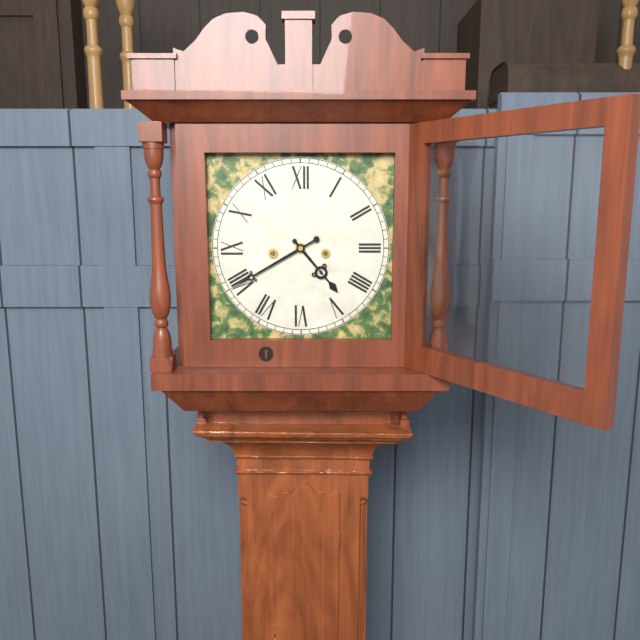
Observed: 4 h 40 min
